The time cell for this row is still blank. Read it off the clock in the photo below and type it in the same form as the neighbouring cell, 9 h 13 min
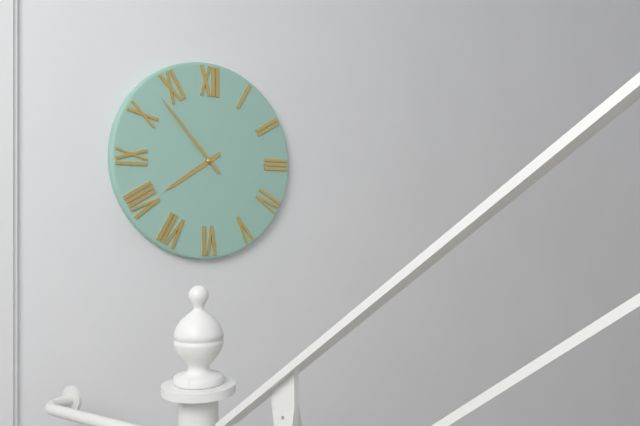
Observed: 7 h 53 min
